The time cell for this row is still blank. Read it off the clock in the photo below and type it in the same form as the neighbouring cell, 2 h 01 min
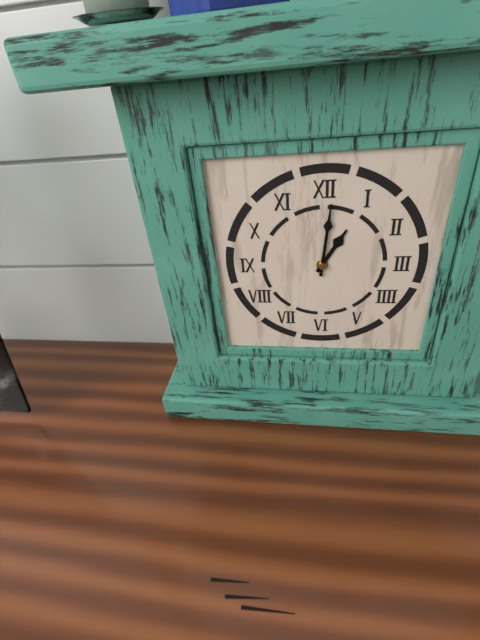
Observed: 1 h 01 min
